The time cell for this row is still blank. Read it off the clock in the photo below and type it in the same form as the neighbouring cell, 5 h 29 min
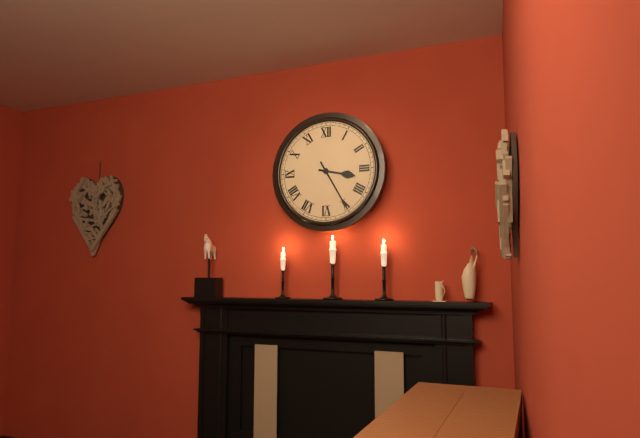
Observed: 3 h 25 min
